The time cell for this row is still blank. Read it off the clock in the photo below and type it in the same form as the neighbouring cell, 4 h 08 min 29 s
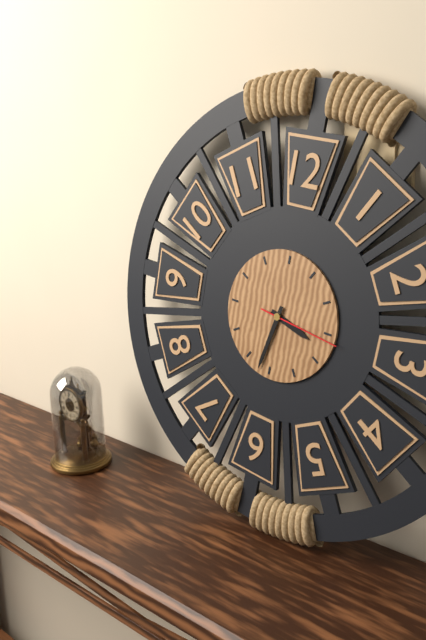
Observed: 3 h 32 min 16 s
